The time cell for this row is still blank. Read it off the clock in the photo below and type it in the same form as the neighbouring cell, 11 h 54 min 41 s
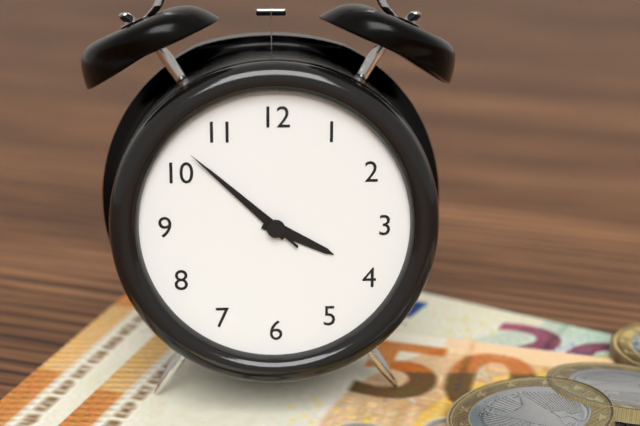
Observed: 3 h 52 min 52 s
